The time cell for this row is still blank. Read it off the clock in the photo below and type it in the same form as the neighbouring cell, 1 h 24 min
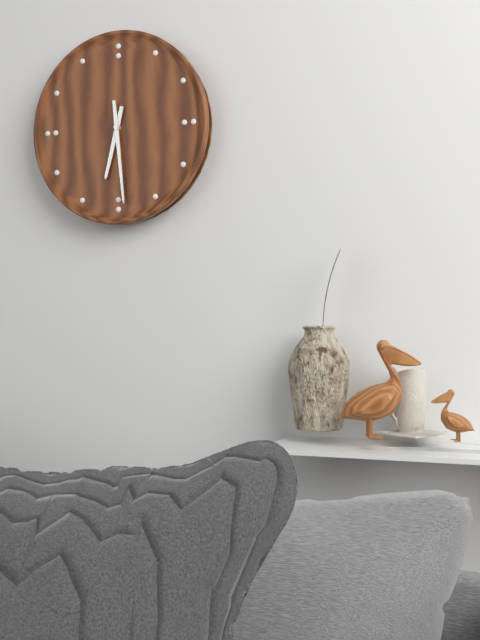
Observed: 6 h 29 min
